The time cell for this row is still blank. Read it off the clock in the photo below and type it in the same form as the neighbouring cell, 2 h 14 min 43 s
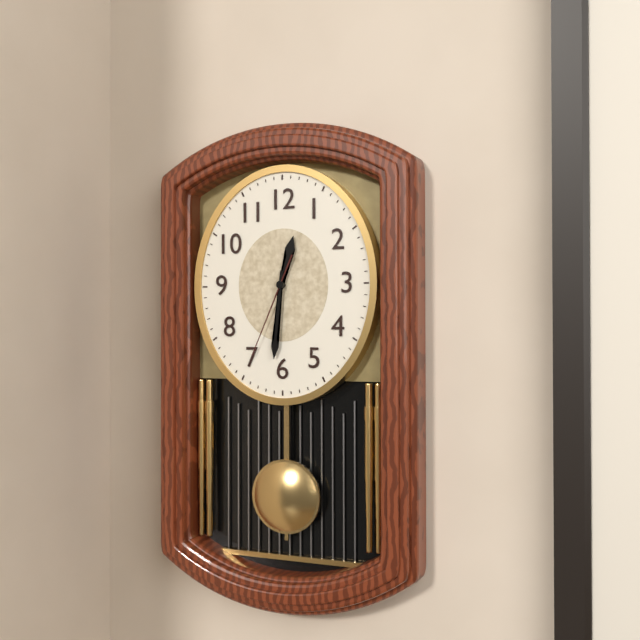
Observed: 12 h 31 min 34 s
